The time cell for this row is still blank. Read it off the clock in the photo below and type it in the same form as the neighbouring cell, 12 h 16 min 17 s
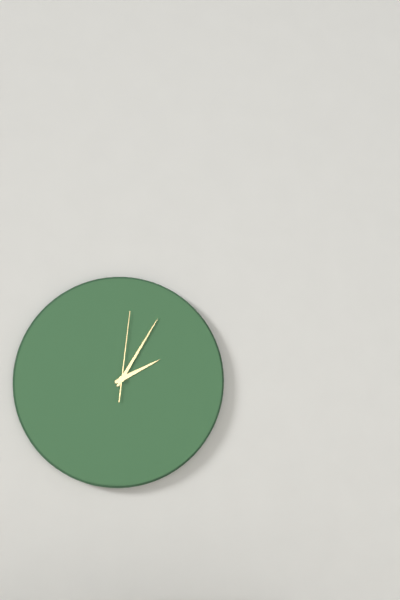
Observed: 2 h 05 min 01 s
